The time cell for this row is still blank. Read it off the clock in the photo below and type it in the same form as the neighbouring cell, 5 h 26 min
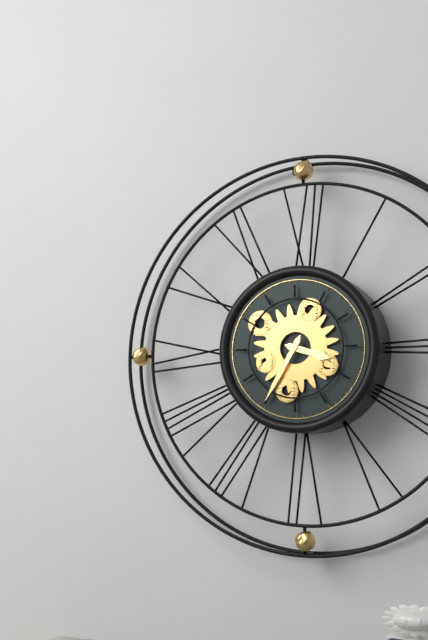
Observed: 3 h 35 min
